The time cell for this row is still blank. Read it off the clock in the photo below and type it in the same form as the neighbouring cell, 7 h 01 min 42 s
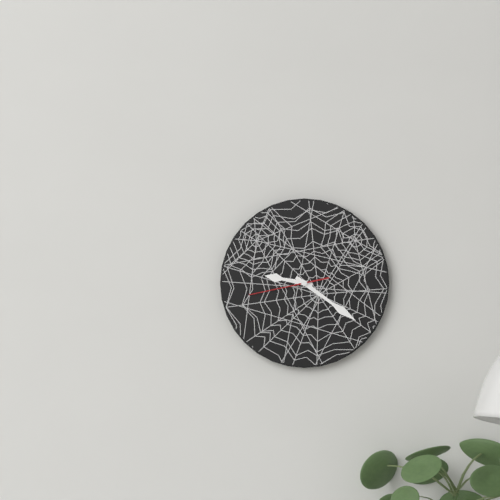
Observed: 9 h 21 min 43 s
